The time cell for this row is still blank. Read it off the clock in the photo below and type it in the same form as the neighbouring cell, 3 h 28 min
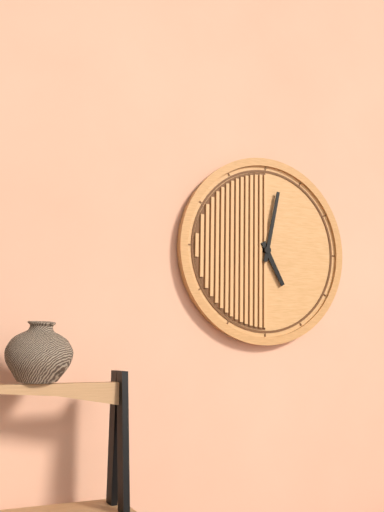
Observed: 5 h 02 min
